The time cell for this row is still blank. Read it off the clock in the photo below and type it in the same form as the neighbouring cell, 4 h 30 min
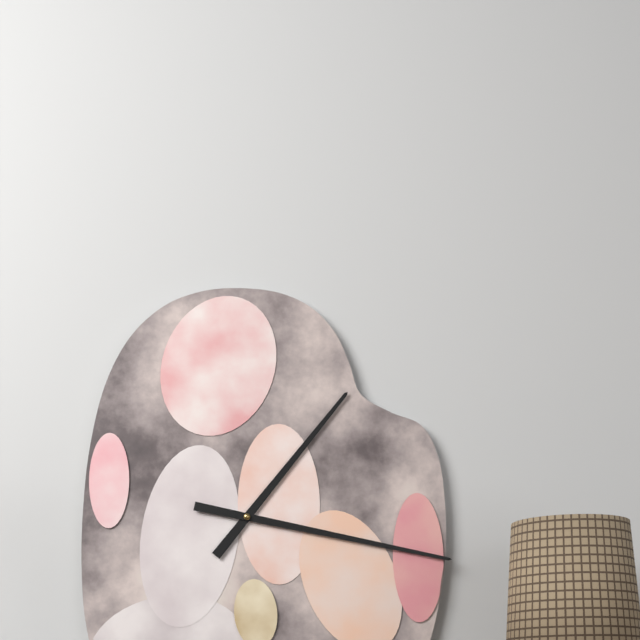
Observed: 1 h 17 min
